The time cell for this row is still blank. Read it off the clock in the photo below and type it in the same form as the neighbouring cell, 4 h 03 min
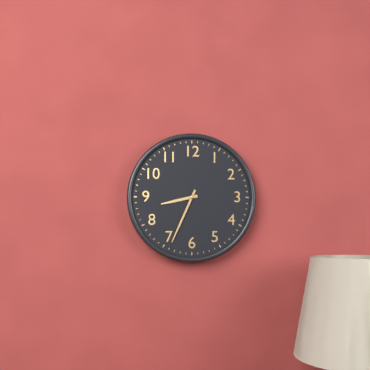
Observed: 8 h 34 min
